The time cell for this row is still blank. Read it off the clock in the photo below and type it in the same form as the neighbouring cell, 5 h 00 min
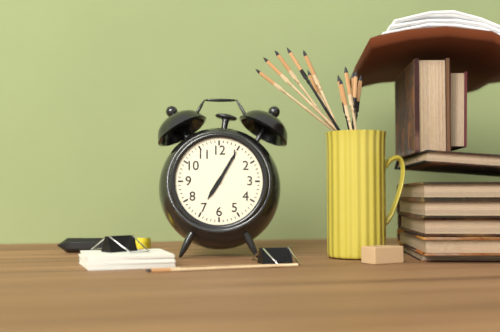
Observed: 7 h 05 min
